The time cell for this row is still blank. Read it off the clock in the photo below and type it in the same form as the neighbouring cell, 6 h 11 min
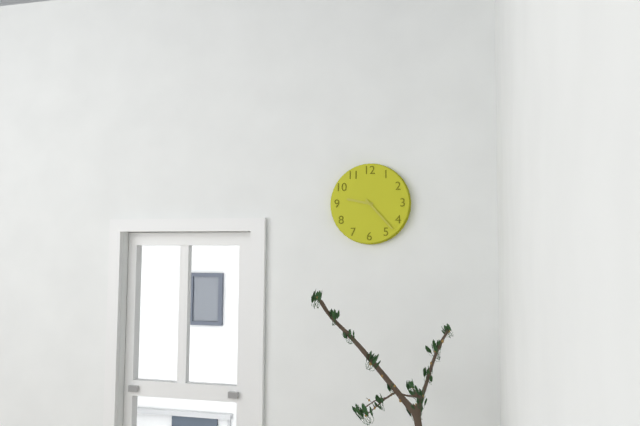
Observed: 9 h 23 min
